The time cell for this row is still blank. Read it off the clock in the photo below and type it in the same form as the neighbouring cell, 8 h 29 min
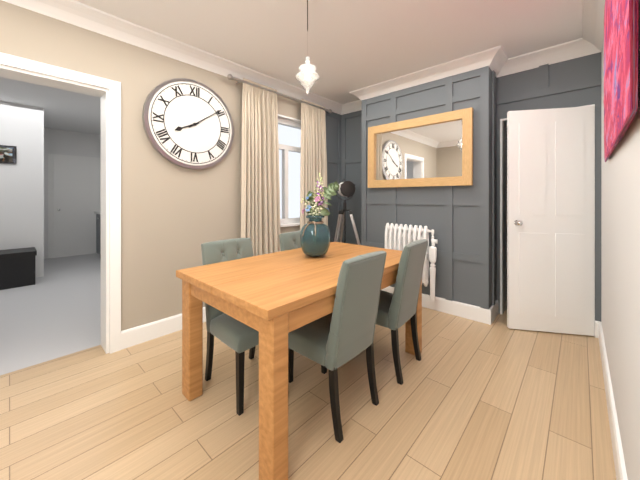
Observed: 8 h 09 min
